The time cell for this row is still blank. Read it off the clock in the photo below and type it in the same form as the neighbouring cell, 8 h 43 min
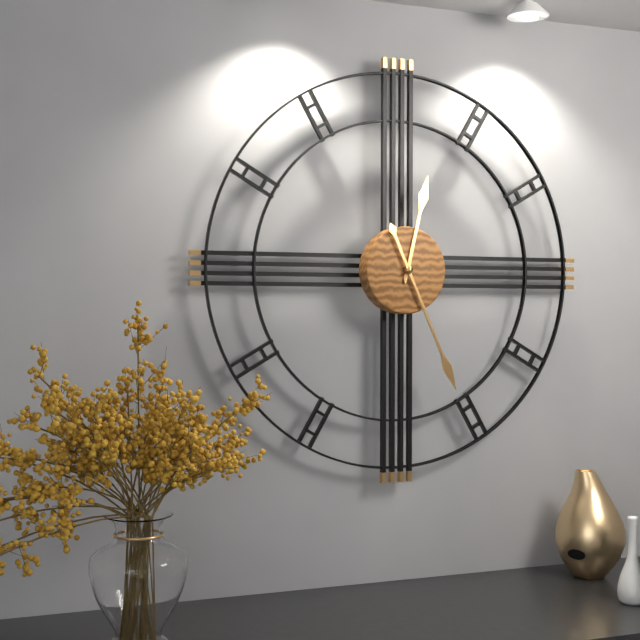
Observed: 12 h 26 min
